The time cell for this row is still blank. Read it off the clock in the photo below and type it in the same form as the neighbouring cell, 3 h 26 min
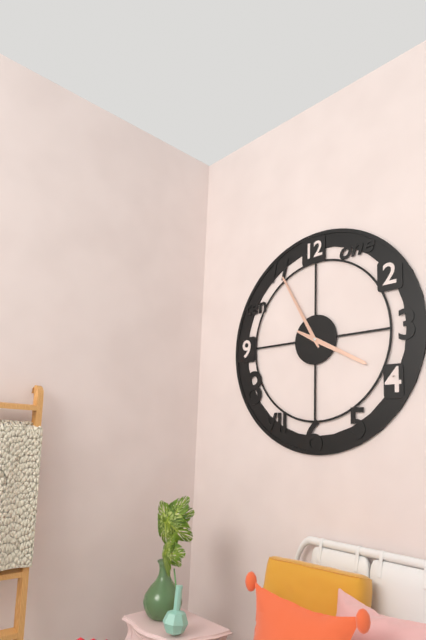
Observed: 3 h 55 min
